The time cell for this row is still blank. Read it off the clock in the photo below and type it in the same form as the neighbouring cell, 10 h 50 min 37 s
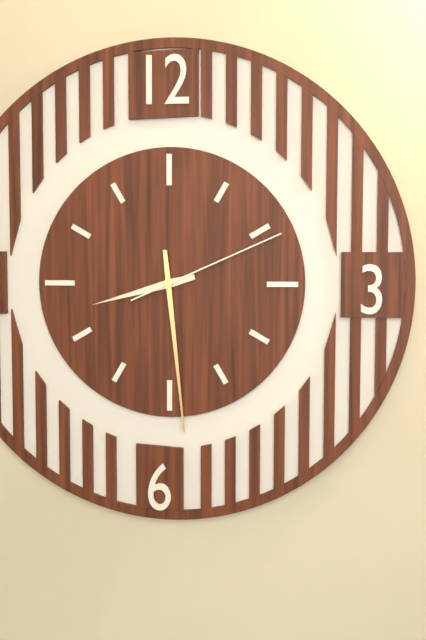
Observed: 8 h 29 min 11 s
